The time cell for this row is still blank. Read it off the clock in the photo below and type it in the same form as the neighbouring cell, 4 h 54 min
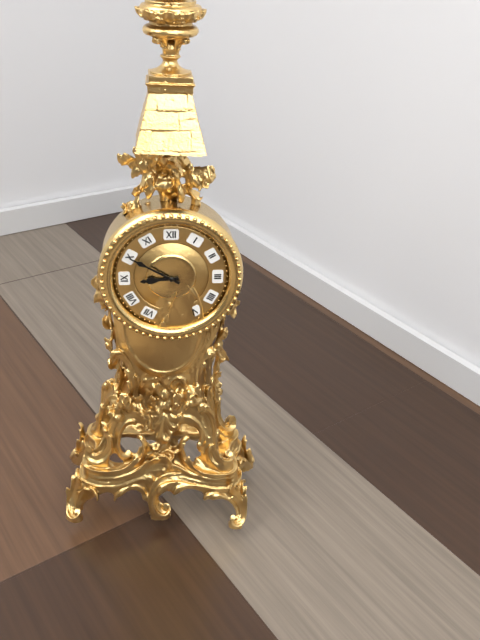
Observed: 8 h 50 min
